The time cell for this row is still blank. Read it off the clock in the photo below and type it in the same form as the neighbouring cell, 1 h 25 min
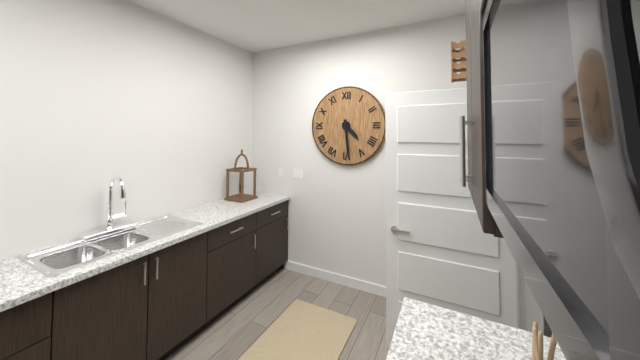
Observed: 4 h 29 min
